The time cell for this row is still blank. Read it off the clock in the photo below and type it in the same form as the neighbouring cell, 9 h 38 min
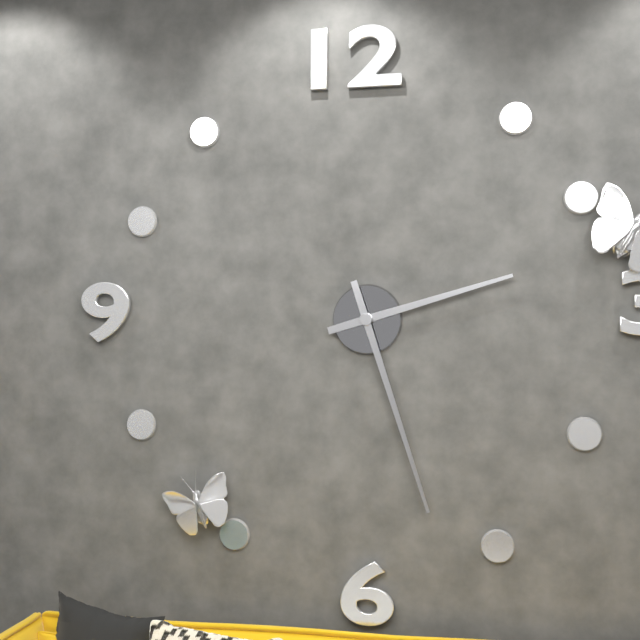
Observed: 2 h 27 min
